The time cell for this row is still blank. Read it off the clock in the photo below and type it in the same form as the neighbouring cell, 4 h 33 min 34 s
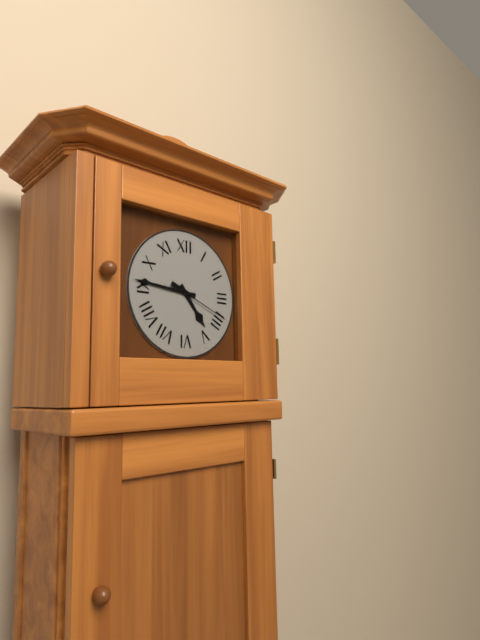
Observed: 4 h 46 min 19 s
